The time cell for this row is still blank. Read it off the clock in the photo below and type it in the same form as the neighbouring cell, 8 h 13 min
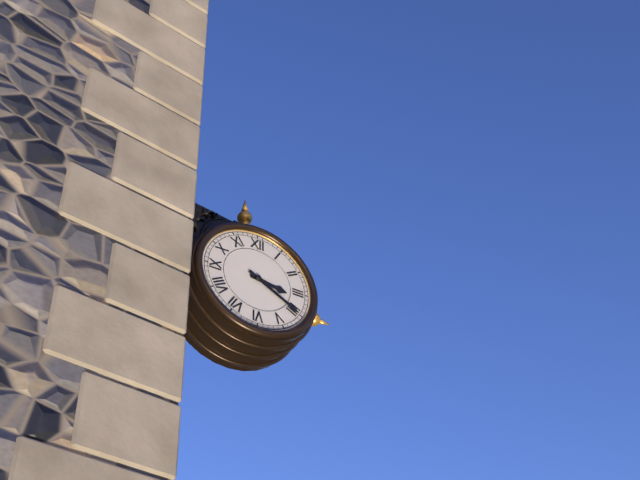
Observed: 3 h 20 min
